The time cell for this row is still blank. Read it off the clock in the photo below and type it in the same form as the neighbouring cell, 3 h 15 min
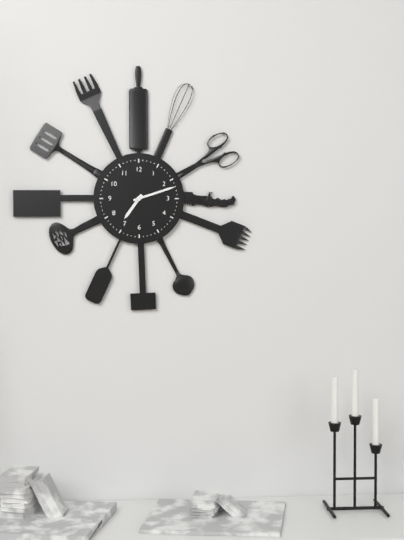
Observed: 7 h 12 min
